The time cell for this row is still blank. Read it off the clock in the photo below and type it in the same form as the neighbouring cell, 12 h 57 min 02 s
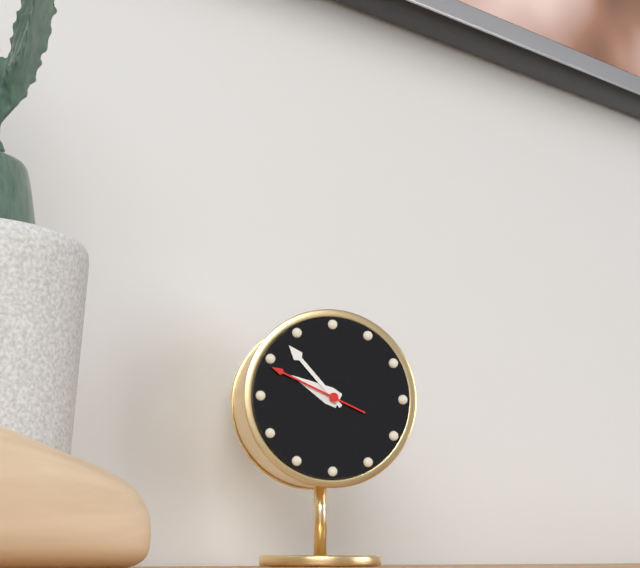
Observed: 9 h 53 min 49 s
